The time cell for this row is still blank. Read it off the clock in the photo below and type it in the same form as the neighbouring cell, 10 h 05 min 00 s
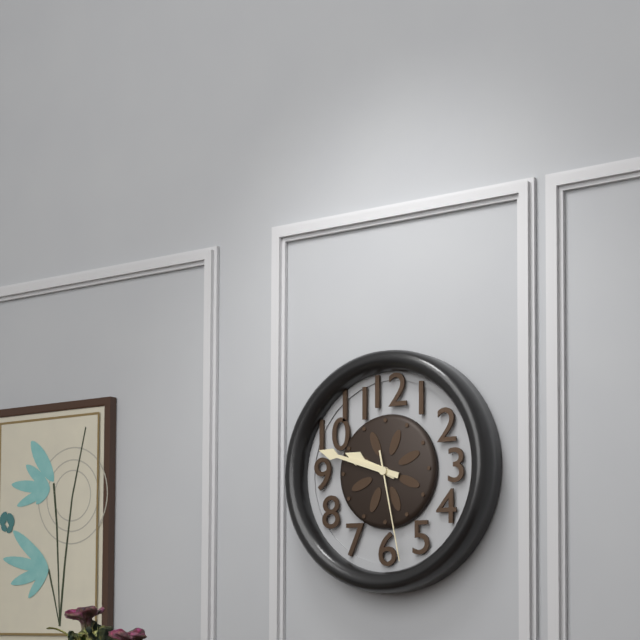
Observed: 9 h 48 min 28 s
